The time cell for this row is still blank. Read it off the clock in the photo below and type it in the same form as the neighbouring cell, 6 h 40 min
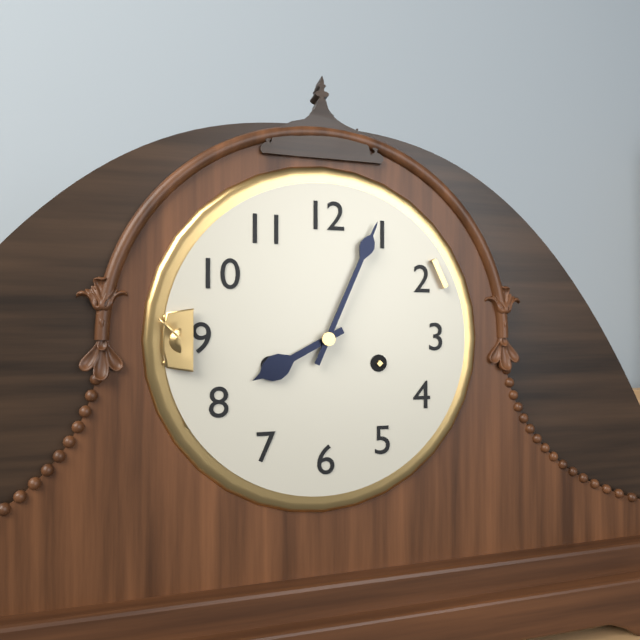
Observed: 8 h 04 min
